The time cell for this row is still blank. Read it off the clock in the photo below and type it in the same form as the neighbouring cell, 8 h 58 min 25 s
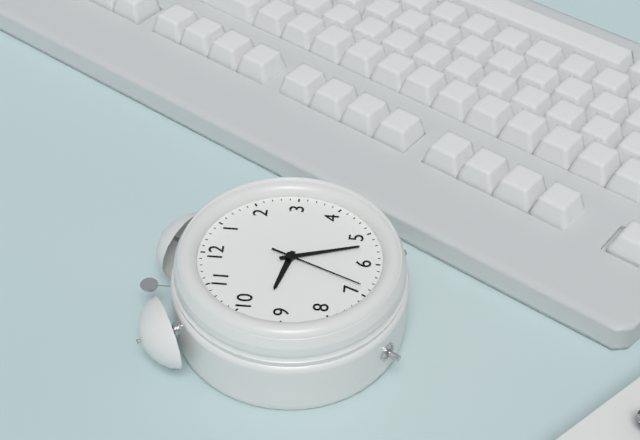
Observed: 9 h 27 min 34 s
